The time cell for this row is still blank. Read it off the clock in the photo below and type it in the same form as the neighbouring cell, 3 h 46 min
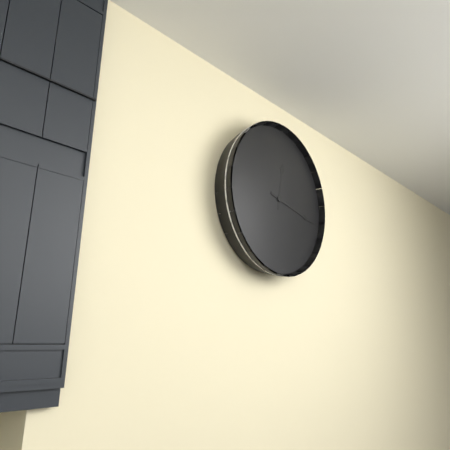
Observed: 12 h 17 min
